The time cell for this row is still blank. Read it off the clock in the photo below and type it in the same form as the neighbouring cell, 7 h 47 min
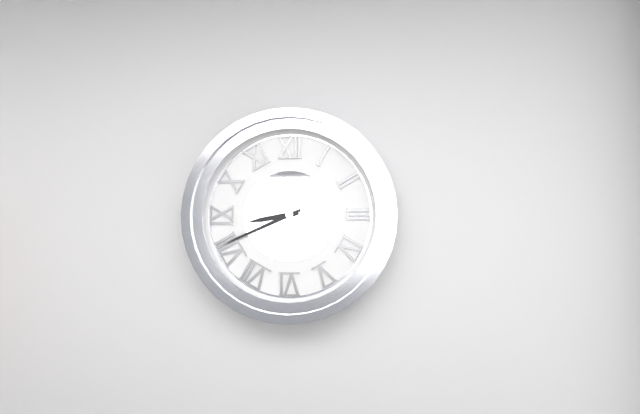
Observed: 8 h 41 min
